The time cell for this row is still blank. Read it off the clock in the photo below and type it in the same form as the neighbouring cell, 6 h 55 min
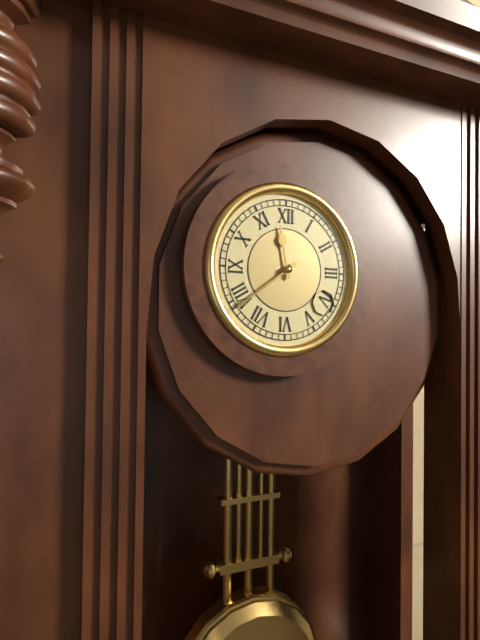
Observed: 11 h 39 min
